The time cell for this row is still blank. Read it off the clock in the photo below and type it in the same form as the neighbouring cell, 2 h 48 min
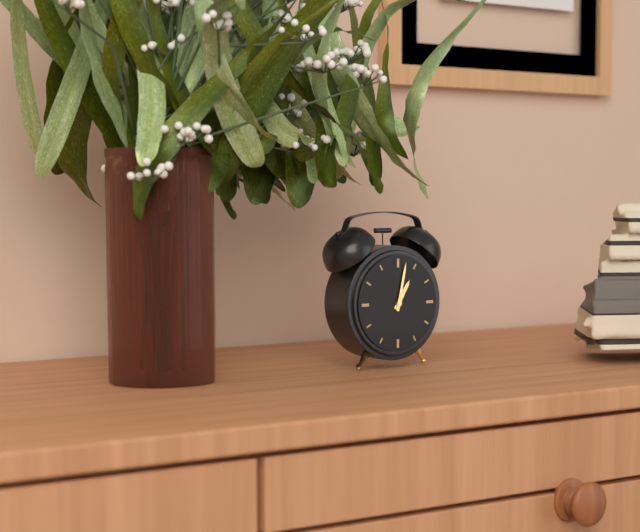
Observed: 1 h 02 min
